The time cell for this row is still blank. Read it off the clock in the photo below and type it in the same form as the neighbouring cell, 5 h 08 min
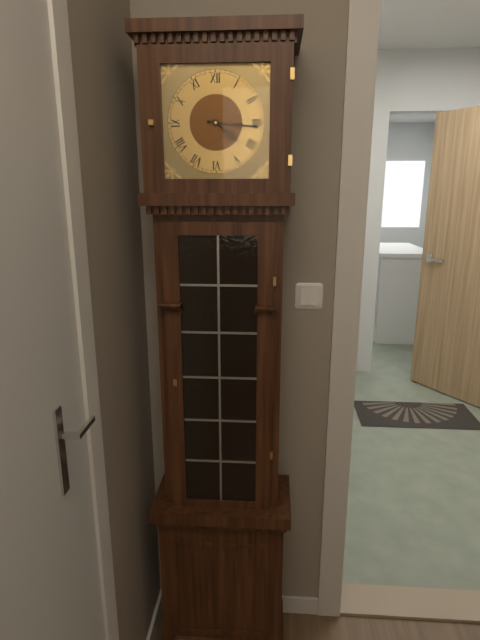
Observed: 4 h 16 min
